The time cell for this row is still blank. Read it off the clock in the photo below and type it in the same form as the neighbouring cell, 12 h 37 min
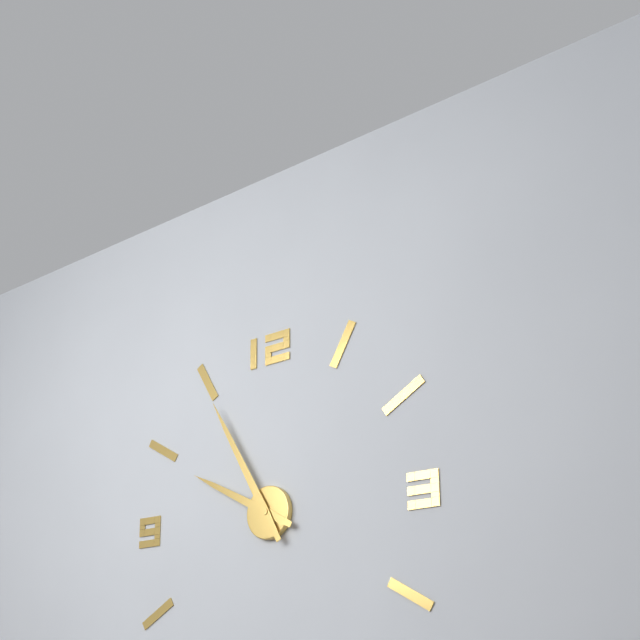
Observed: 9 h 55 min
